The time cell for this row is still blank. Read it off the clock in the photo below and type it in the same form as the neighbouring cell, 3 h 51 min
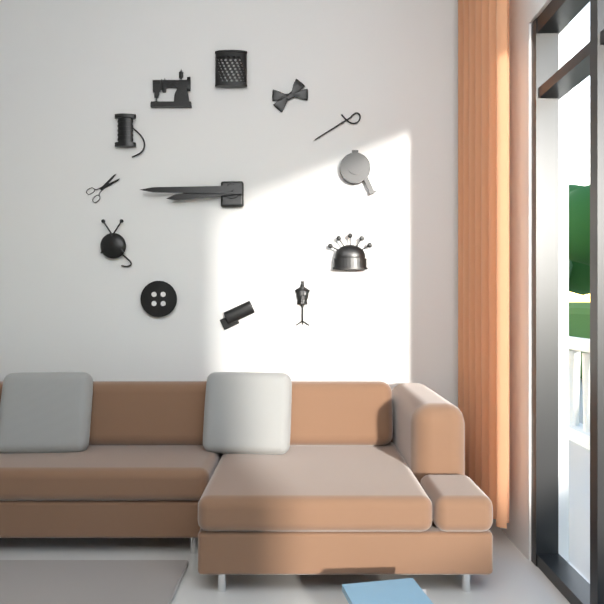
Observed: 8 h 45 min
